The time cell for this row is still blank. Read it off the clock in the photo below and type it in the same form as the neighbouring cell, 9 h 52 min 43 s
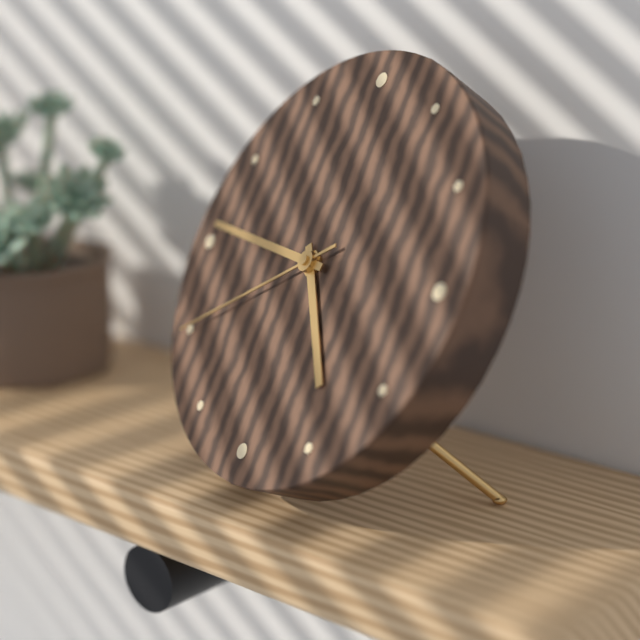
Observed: 4 h 46 min 40 s
